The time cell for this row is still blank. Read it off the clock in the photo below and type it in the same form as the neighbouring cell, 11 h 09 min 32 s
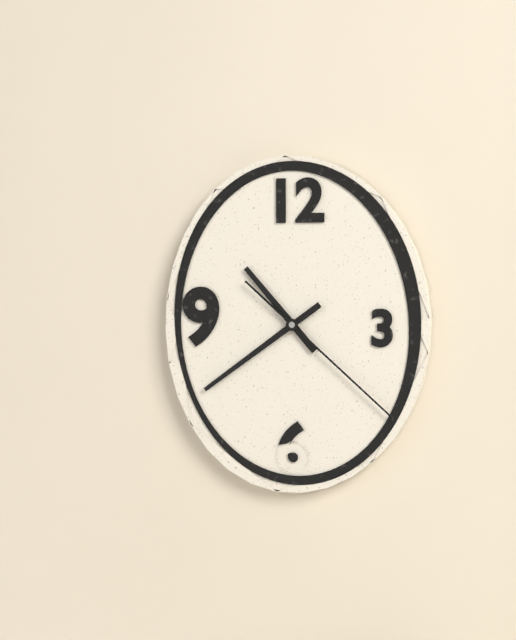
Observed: 10 h 39 min 22 s
